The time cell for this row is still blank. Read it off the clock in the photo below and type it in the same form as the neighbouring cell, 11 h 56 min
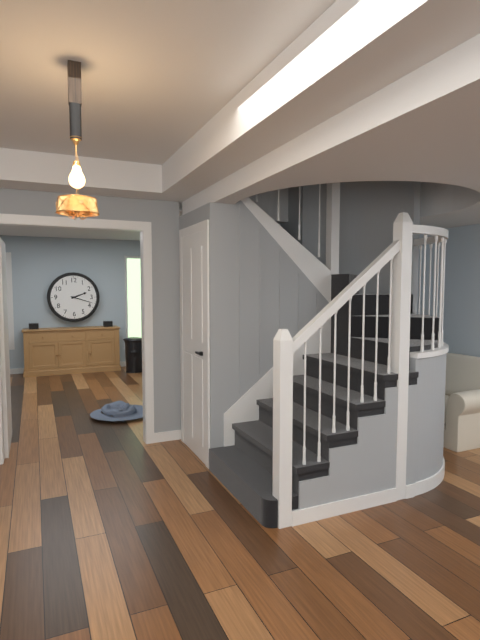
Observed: 2 h 18 min
